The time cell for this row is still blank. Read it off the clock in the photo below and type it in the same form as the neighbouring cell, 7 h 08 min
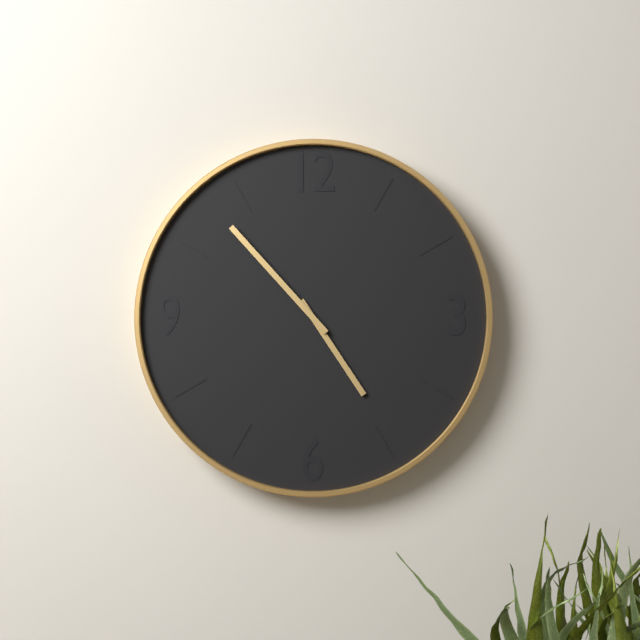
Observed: 4 h 53 min
